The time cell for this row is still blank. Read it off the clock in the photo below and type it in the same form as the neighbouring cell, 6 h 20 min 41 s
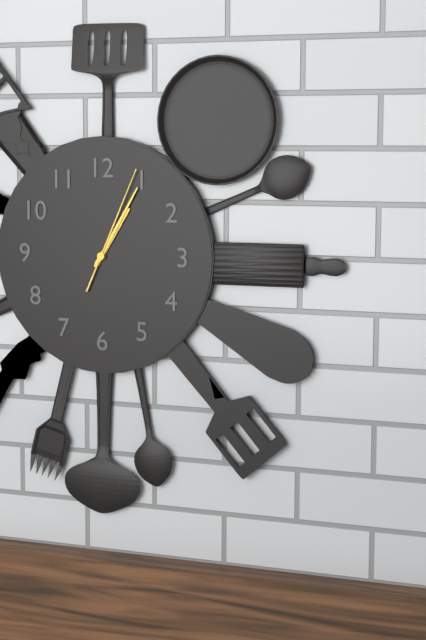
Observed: 1 h 05 min 04 s
